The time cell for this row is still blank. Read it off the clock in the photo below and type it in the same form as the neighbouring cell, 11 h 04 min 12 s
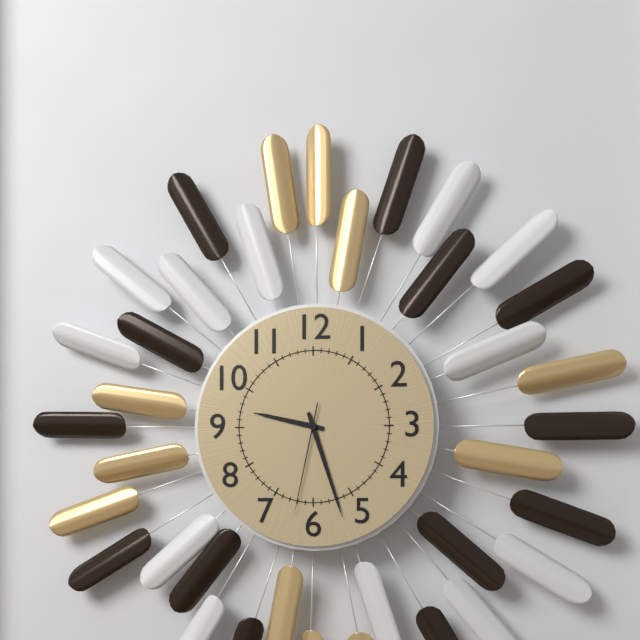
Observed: 9 h 27 min 32 s
